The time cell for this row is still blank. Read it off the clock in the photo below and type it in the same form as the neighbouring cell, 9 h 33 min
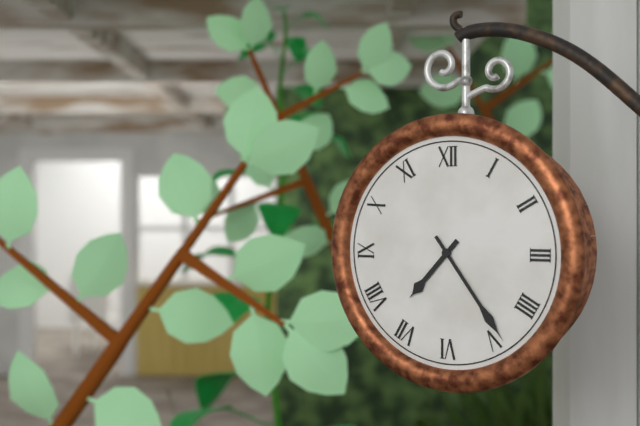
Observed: 7 h 24 min
